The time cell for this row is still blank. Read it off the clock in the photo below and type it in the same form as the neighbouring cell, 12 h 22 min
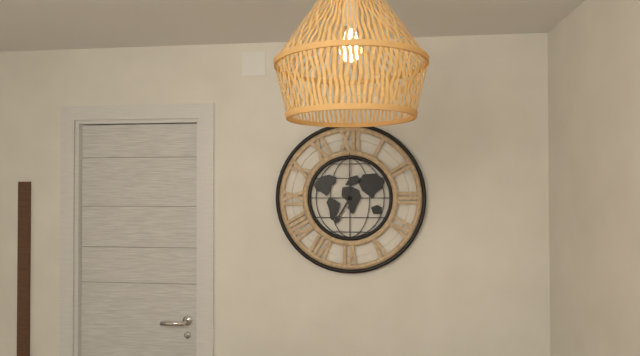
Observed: 7 h 00 min
